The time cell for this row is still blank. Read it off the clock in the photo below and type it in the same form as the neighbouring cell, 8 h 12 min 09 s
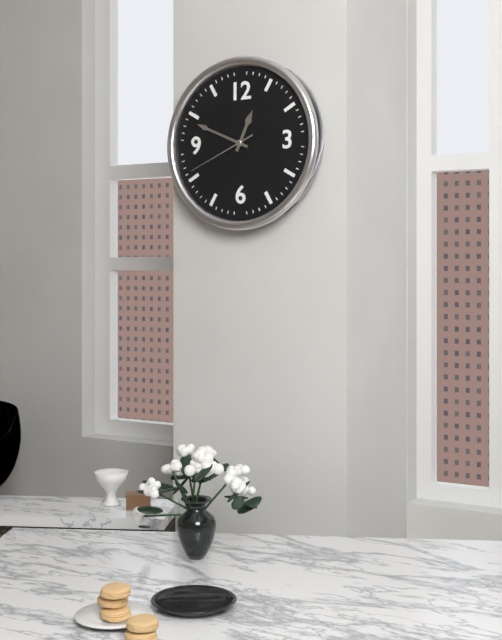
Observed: 12 h 49 min 41 s
